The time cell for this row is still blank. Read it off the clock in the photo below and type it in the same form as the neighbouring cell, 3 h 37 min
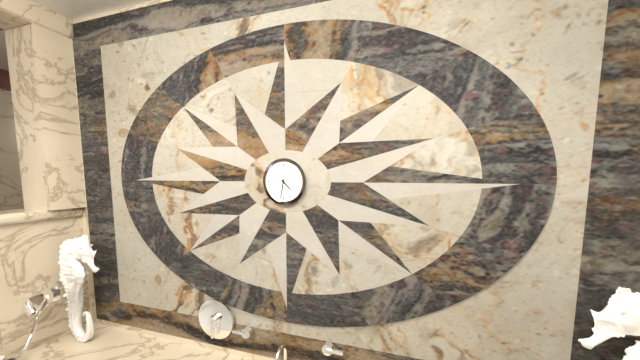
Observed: 4 h 32 min
